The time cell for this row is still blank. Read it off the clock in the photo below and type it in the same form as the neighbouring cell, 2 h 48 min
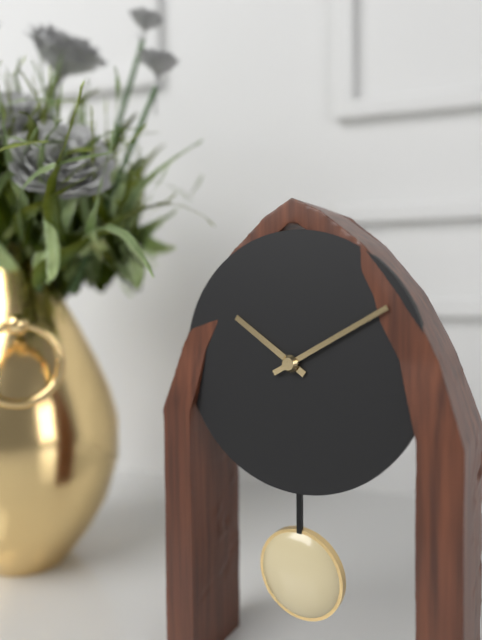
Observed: 10 h 10 min
